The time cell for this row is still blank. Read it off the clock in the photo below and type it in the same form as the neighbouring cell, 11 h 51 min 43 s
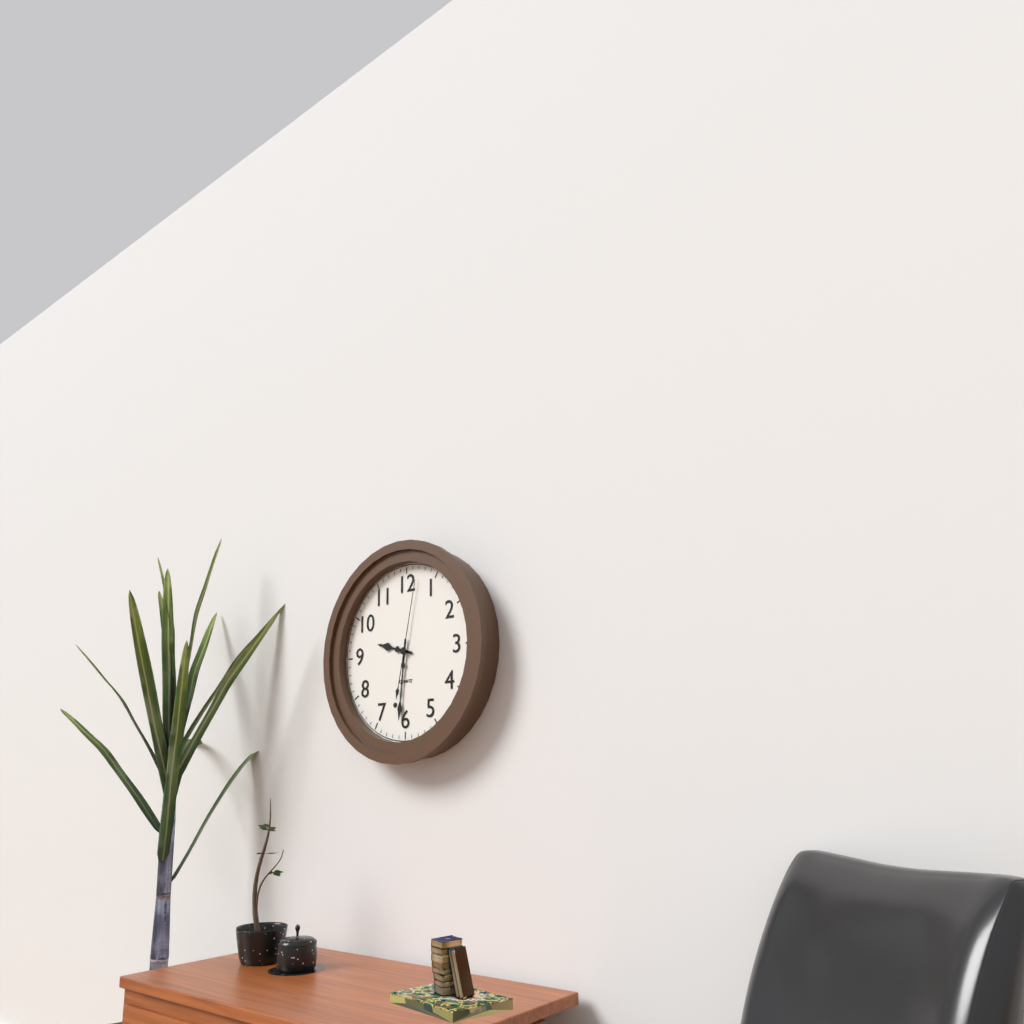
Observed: 9 h 31 min 02 s
